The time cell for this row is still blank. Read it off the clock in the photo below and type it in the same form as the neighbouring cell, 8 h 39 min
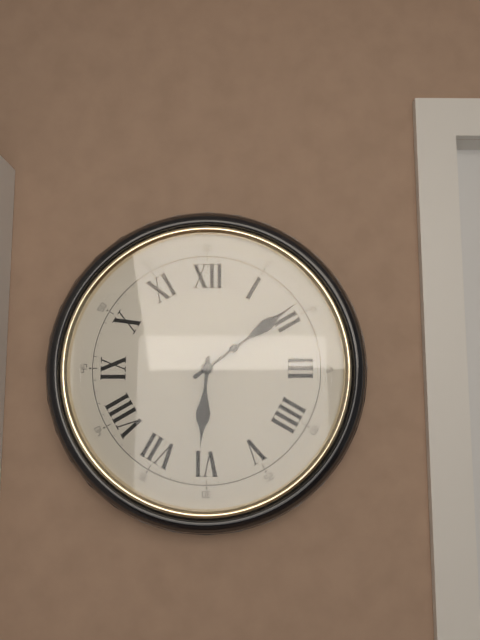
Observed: 6 h 09 min
